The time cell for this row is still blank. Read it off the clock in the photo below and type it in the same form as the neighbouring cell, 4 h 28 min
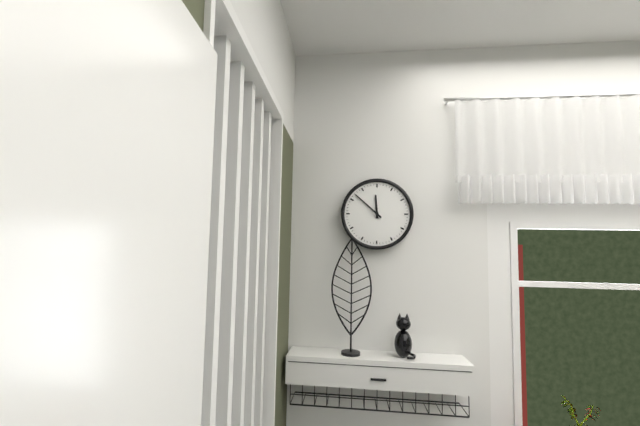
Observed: 11 h 52 min
